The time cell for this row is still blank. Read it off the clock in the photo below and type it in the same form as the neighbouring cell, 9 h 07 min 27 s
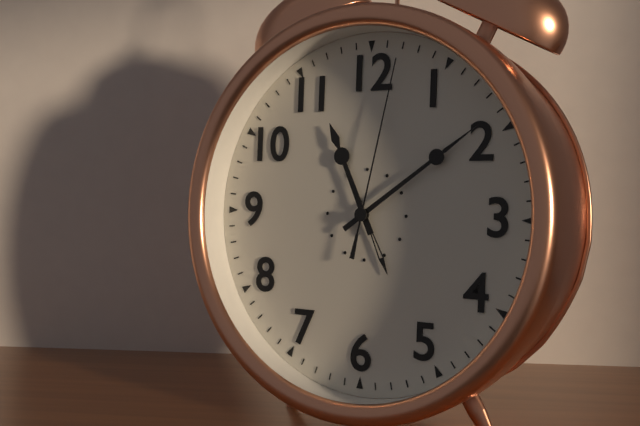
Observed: 11 h 09 min 02 s
